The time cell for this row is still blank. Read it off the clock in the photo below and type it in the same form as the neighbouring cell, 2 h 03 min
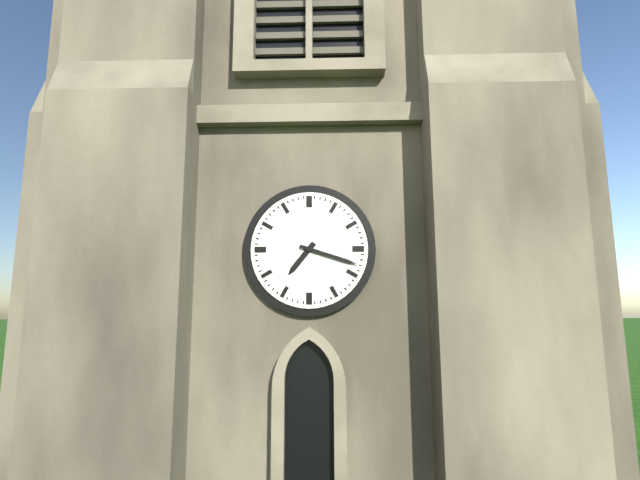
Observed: 7 h 18 min
